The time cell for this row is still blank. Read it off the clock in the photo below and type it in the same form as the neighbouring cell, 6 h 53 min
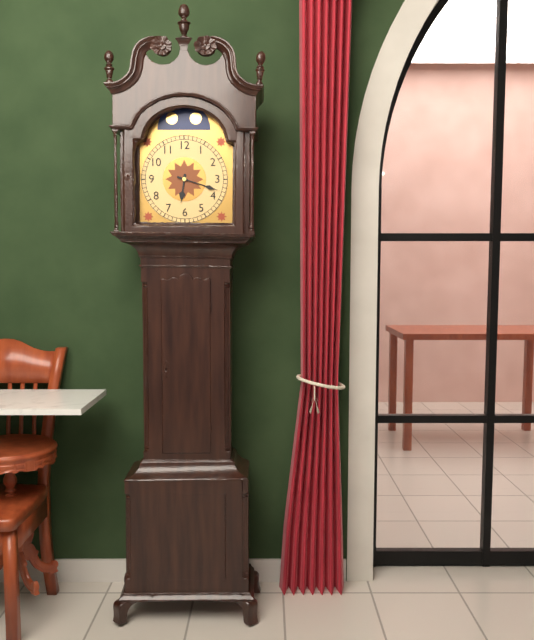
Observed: 6 h 18 min
